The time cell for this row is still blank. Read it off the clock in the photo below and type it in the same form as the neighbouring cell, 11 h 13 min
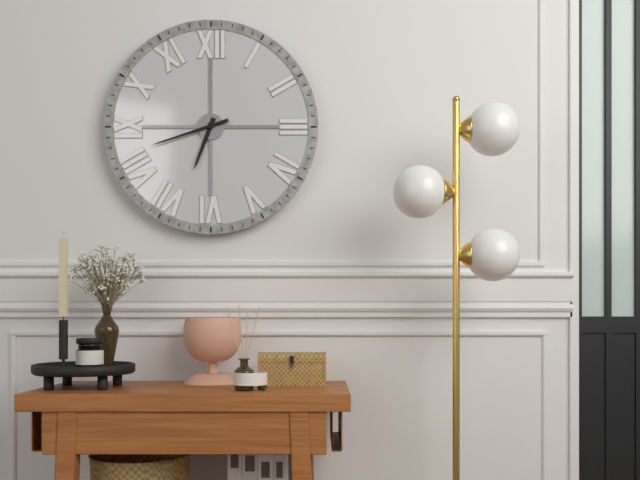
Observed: 6 h 42 min
